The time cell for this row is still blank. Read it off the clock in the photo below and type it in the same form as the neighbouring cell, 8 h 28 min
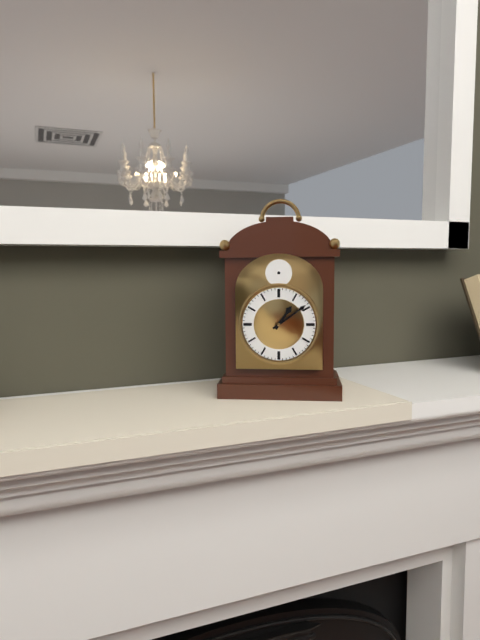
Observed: 1 h 09 min
